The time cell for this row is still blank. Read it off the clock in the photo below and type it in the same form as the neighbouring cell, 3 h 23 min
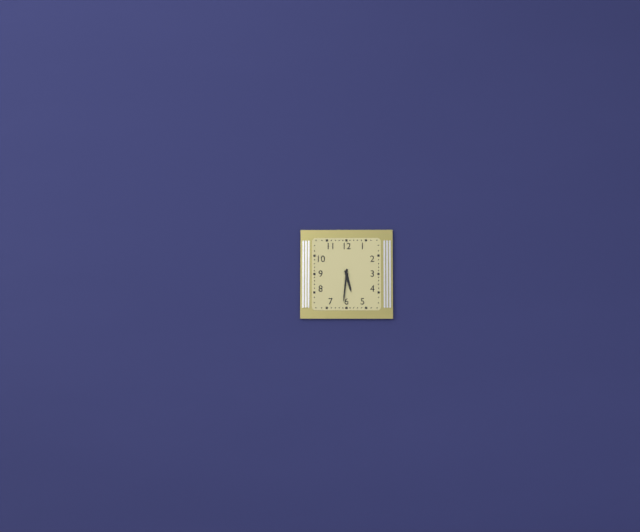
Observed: 5 h 31 min
